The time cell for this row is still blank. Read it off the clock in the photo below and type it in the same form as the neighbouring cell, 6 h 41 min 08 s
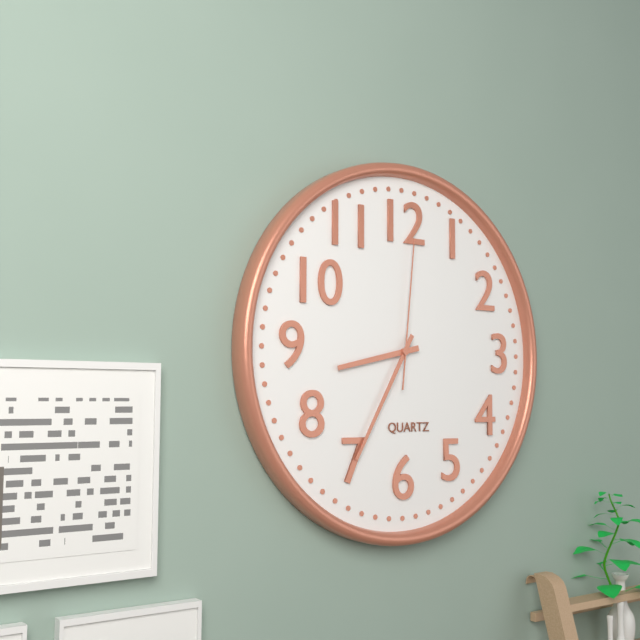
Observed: 8 h 35 min 01 s
